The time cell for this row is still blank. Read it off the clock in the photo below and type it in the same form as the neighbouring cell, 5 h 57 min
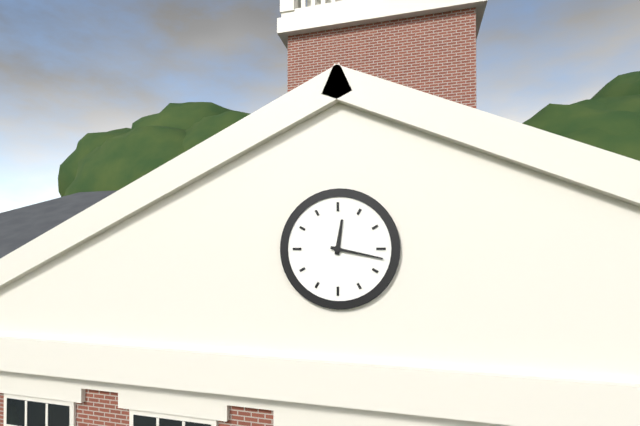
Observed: 12 h 17 min
